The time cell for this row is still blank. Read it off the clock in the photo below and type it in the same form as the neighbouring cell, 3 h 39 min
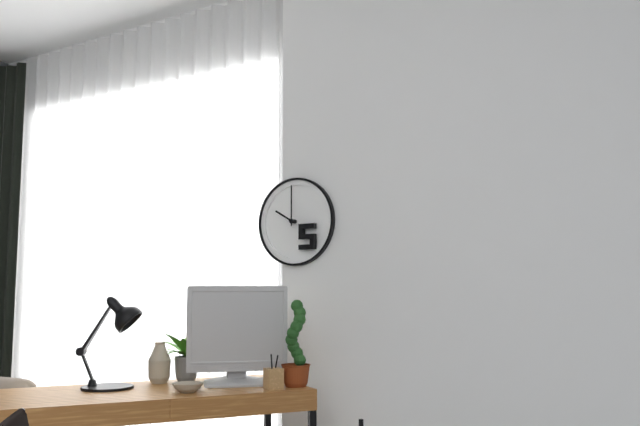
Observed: 10 h 00 min
